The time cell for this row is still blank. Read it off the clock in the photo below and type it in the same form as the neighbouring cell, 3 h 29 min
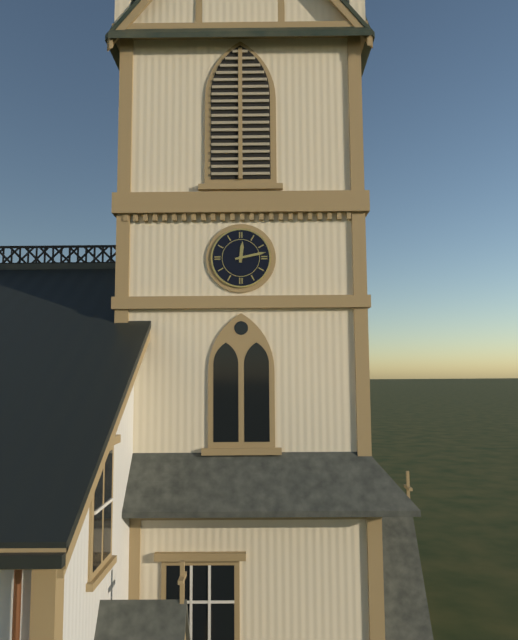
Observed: 12 h 13 min
